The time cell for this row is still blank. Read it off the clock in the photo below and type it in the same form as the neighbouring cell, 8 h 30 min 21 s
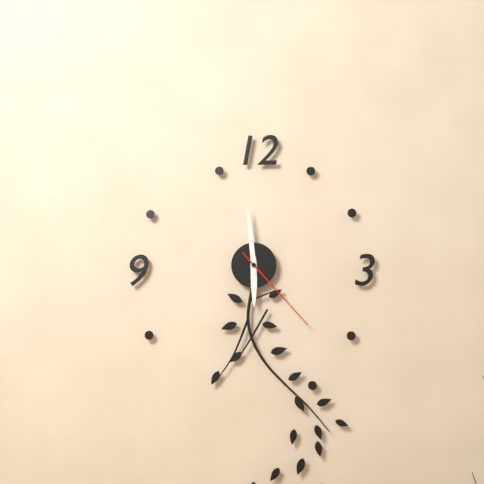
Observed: 5 h 59 min 23 s
